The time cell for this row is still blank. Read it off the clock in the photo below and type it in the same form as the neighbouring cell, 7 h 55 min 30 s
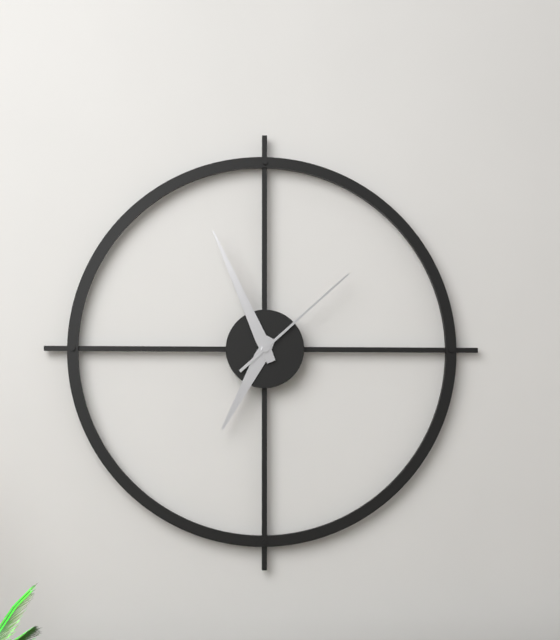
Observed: 6 h 56 min 08 s
